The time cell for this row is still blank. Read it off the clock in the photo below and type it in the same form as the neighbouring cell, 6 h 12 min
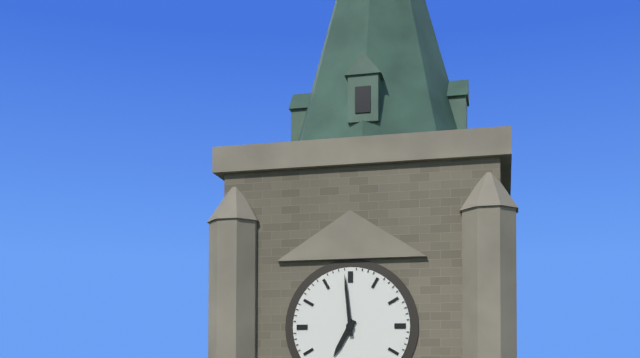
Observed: 6 h 59 min
